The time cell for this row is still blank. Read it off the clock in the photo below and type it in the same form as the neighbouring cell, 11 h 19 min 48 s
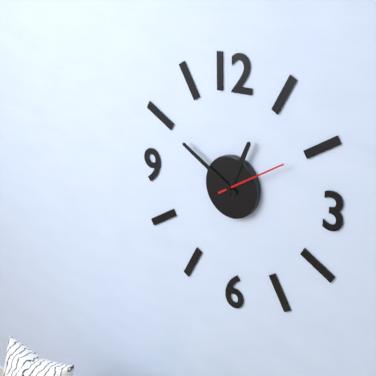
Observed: 12 h 50 min 10 s
